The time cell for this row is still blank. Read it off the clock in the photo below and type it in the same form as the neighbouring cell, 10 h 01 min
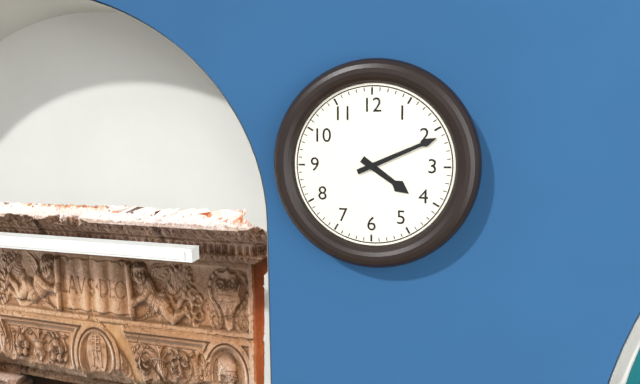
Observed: 4 h 11 min
